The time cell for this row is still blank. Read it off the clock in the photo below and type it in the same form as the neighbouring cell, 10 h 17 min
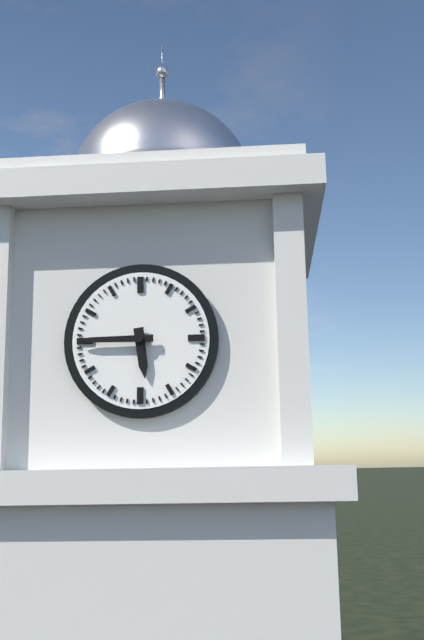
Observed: 5 h 45 min
